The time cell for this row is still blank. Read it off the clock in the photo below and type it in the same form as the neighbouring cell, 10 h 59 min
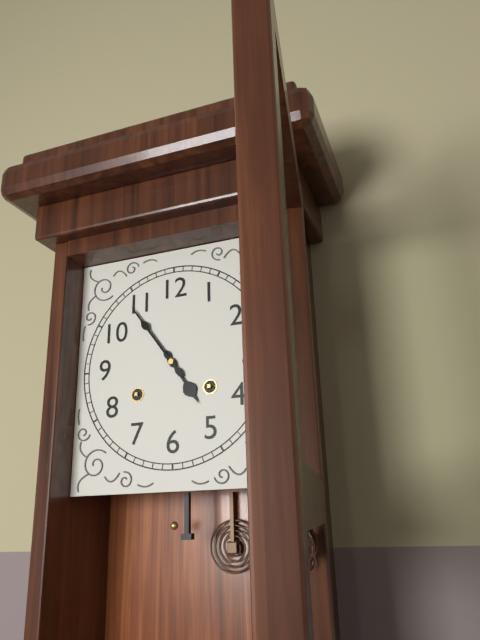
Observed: 4 h 54 min
